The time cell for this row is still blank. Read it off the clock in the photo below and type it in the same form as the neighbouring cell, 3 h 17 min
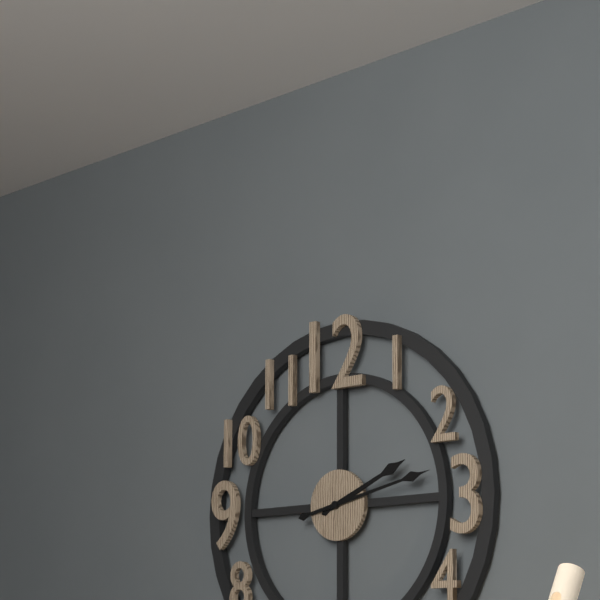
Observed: 2 h 13 min
